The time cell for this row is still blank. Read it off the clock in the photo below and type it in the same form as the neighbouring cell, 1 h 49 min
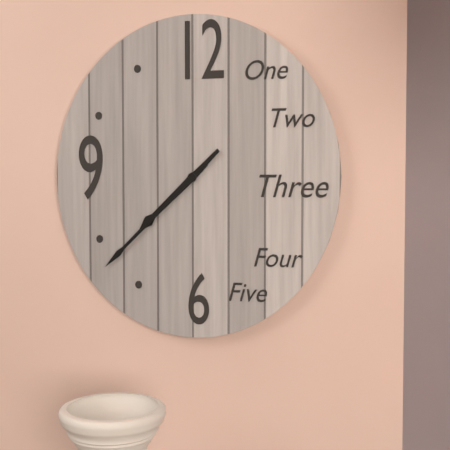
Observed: 7 h 38 min
